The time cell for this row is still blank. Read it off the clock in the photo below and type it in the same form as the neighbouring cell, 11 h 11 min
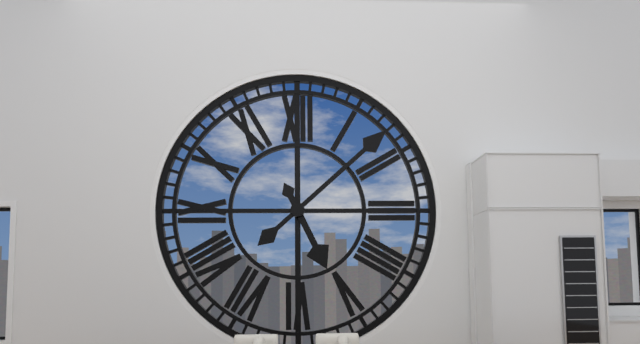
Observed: 5 h 08 min
